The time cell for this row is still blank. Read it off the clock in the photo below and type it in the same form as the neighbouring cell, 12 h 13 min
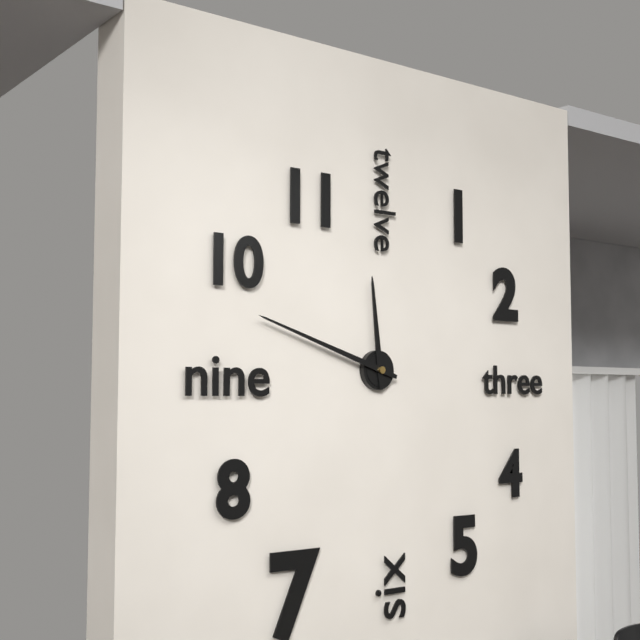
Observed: 11 h 48 min
